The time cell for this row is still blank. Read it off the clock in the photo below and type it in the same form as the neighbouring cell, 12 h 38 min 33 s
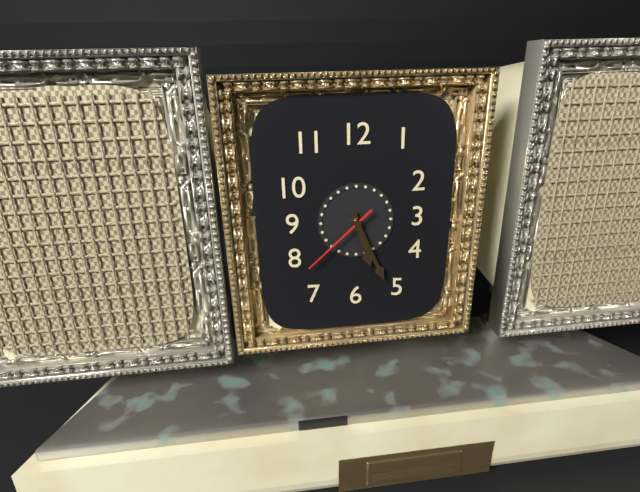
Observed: 5 h 26 min 38 s
